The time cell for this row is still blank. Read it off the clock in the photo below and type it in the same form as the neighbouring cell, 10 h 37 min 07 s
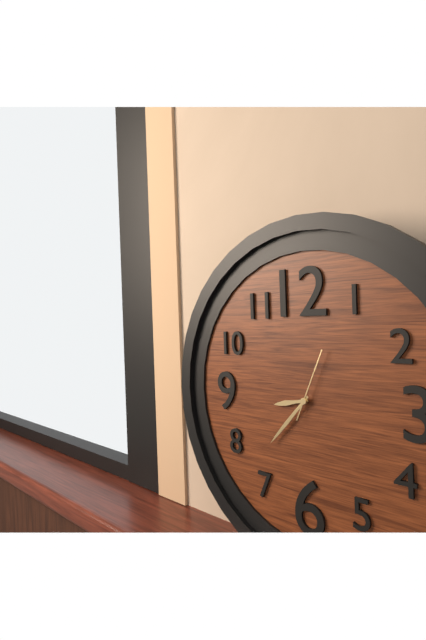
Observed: 8 h 37 min 04 s
